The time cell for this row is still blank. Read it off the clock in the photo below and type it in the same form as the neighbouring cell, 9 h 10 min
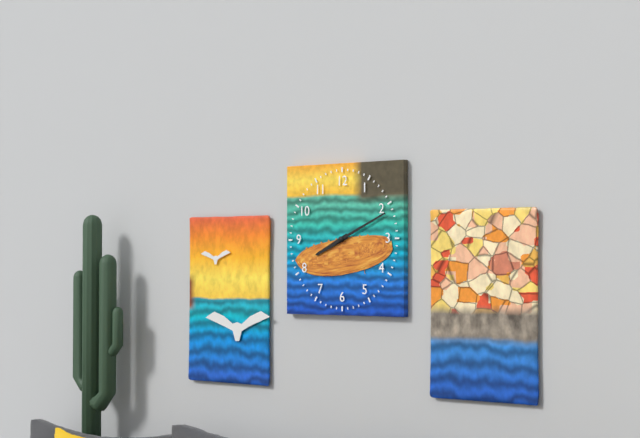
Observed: 8 h 11 min
